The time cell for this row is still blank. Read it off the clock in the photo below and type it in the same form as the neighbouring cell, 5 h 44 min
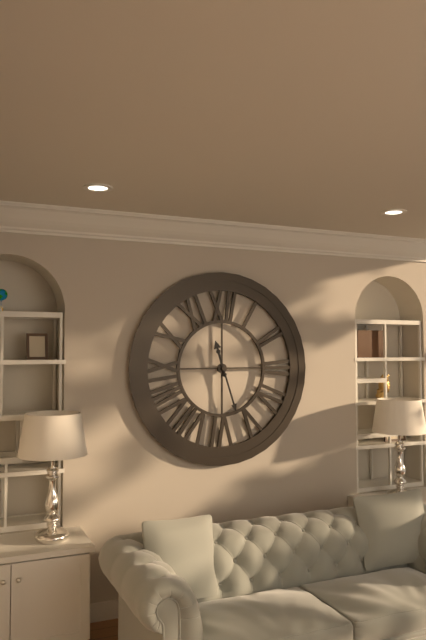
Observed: 11 h 27 min
